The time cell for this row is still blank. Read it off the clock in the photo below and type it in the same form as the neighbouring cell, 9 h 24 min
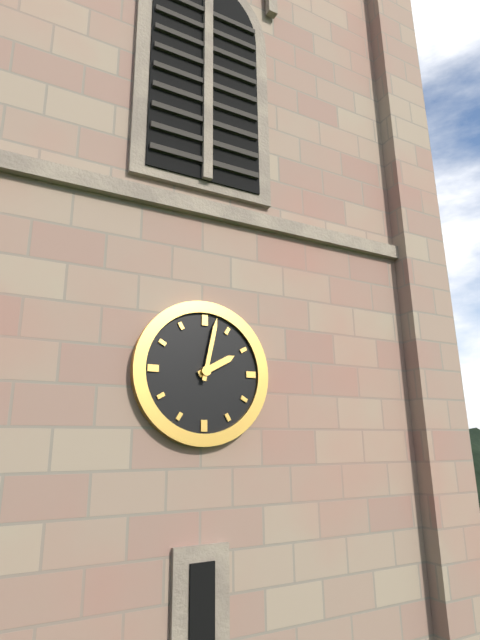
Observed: 2 h 02 min
